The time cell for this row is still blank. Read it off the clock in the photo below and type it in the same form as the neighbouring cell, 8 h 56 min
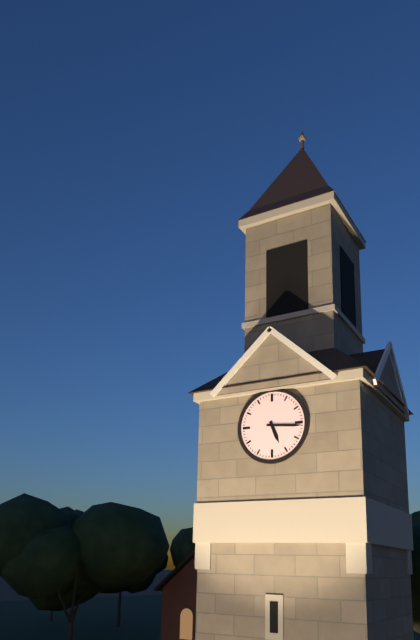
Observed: 5 h 16 min
